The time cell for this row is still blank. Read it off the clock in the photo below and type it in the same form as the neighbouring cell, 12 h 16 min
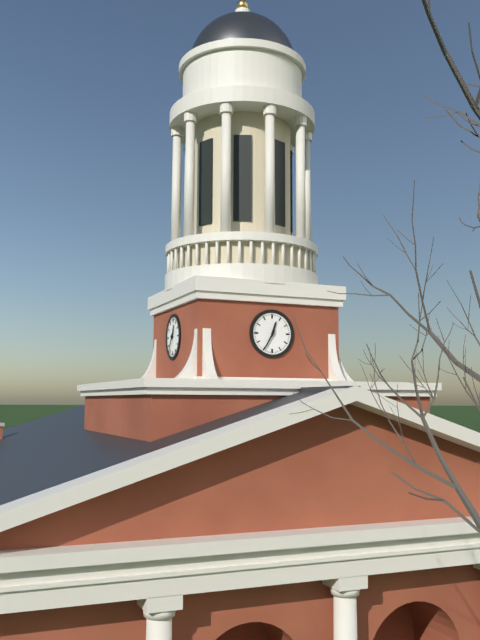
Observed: 12 h 35 min
